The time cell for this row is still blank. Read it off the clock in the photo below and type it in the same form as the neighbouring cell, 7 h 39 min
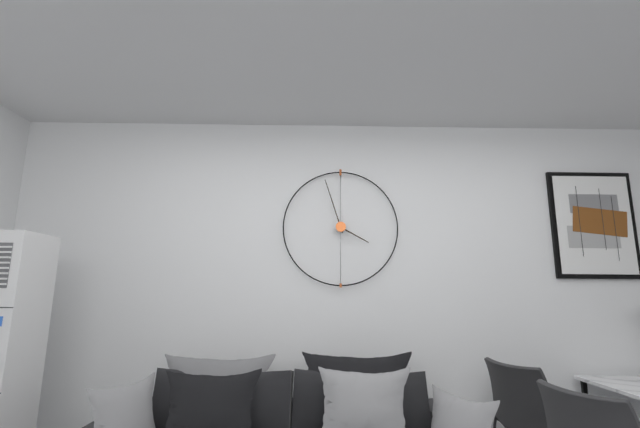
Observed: 3 h 57 min
